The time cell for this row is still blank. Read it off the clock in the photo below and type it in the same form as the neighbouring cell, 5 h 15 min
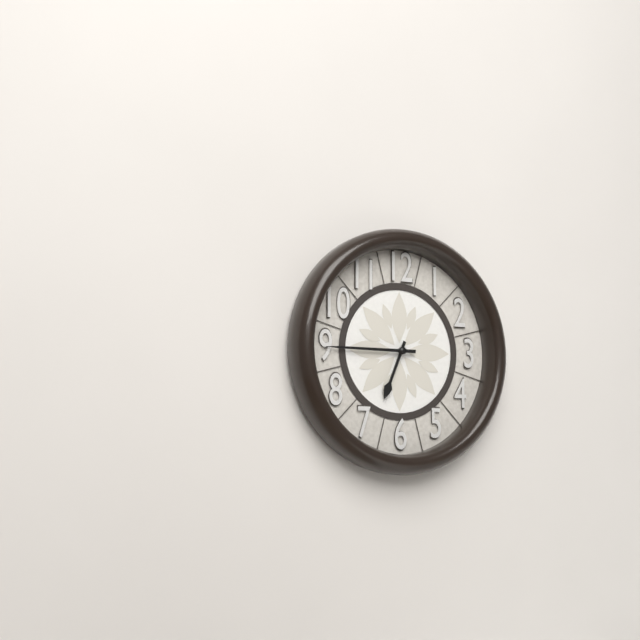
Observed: 6 h 45 min
